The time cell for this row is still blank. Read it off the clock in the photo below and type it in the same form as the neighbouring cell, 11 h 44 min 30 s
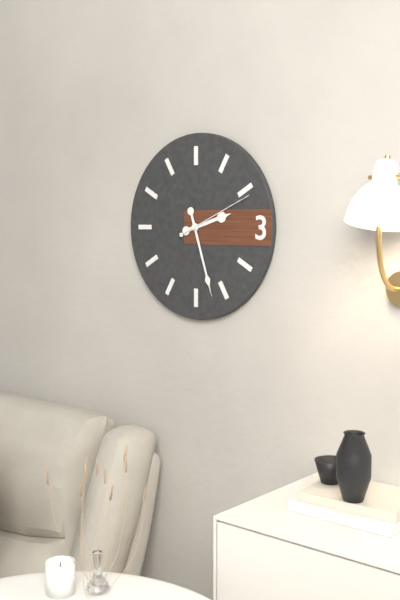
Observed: 2 h 27 min 11 s
